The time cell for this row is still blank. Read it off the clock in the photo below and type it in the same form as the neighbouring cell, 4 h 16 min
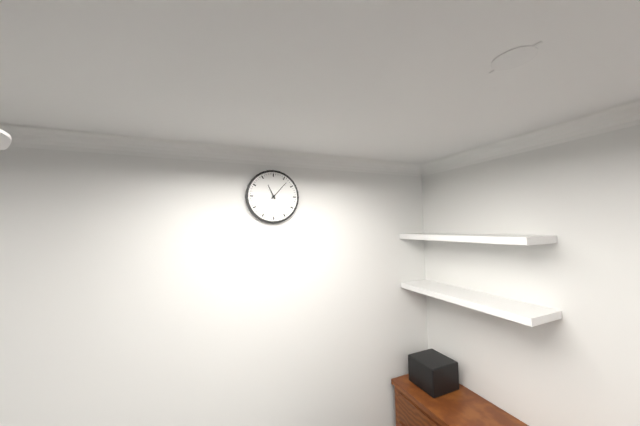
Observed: 11 h 07 min
